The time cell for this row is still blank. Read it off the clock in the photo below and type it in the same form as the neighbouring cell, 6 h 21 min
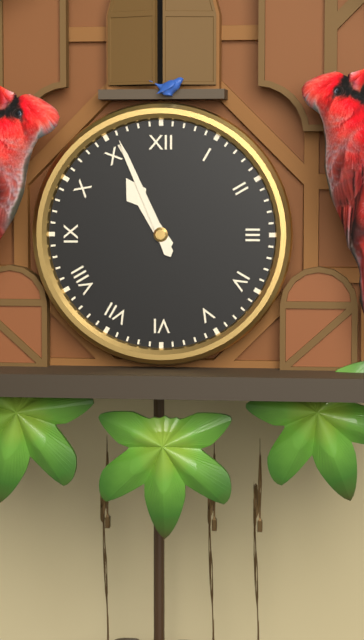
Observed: 10 h 56 min
